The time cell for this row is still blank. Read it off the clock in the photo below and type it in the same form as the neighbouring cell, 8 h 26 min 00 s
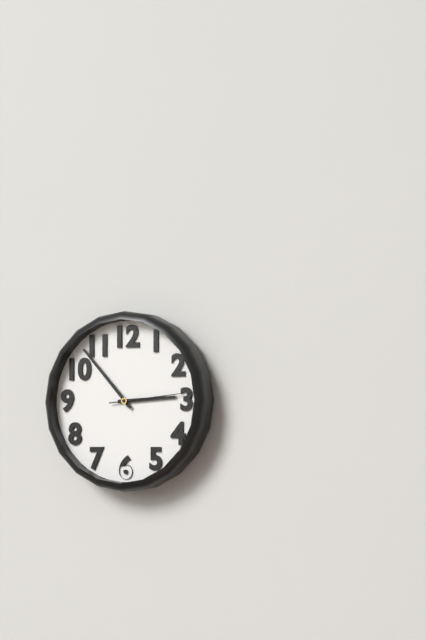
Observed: 2 h 53 min 14 s
